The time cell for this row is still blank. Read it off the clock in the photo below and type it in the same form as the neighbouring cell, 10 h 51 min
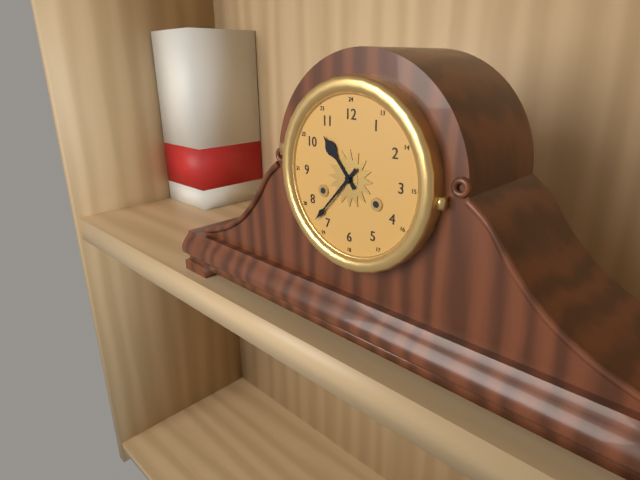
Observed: 10 h 37 min
